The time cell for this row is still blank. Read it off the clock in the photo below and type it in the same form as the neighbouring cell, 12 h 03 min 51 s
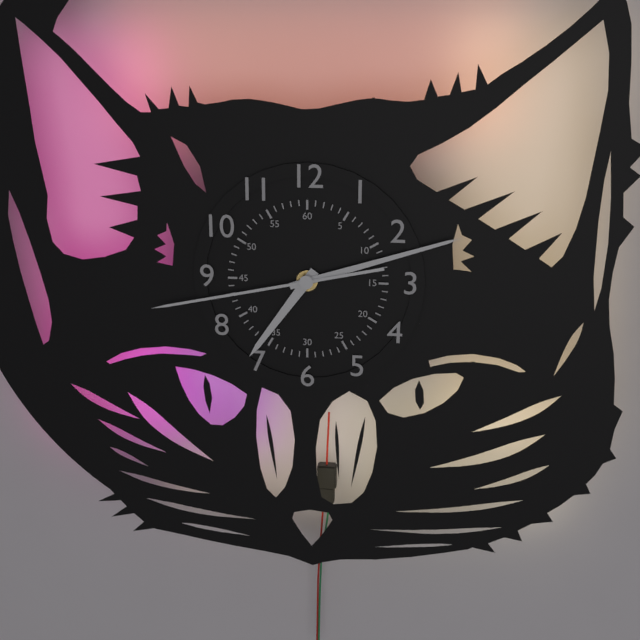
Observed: 7 h 12 min 43 s
